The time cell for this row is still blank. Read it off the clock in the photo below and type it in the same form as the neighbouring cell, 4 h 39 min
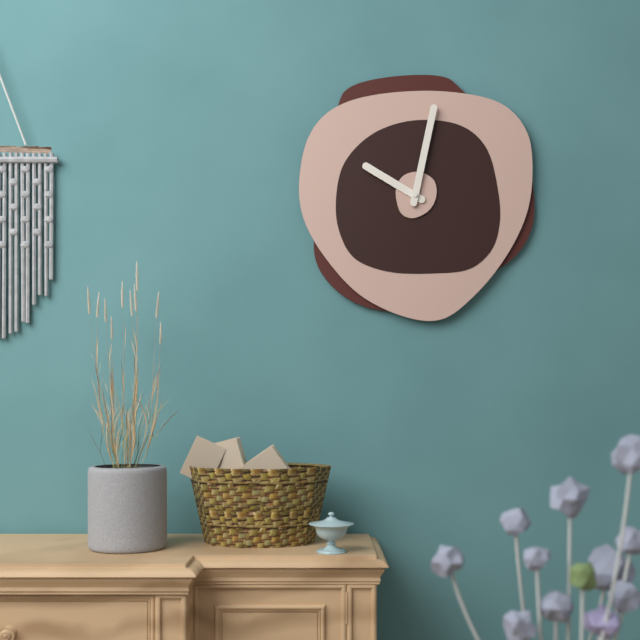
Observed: 10 h 02 min
